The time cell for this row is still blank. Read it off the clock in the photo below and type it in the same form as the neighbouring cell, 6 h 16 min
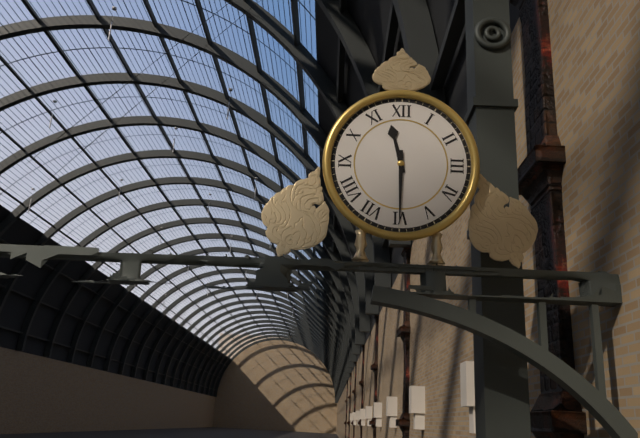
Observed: 11 h 30 min
